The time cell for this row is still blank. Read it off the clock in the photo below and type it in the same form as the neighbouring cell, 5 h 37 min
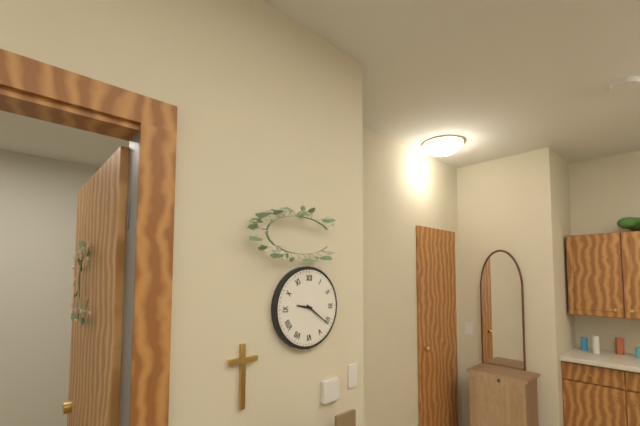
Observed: 9 h 21 min
